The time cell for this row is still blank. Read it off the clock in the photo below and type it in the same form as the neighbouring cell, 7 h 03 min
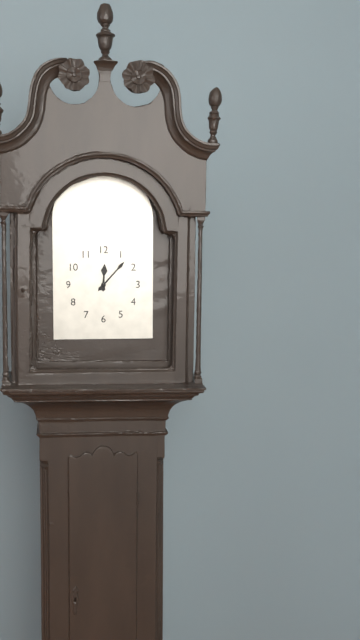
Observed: 12 h 07 min
